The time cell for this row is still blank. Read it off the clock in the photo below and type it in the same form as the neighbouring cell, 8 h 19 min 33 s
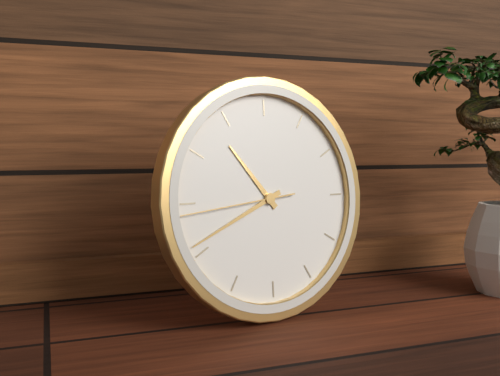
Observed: 10 h 41 min 44 s
